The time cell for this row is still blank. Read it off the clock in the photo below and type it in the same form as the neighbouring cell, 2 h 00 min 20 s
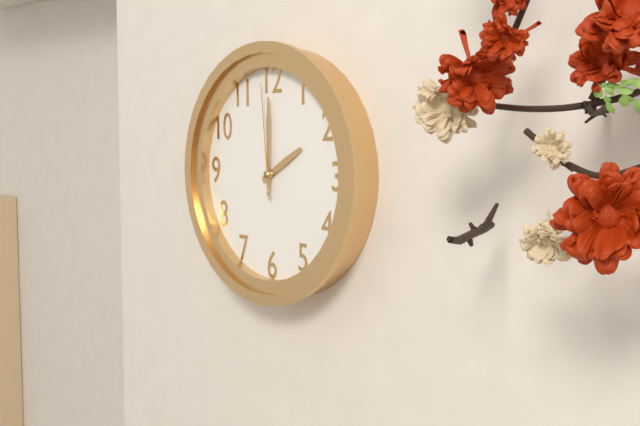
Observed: 2 h 00 min 59 s
